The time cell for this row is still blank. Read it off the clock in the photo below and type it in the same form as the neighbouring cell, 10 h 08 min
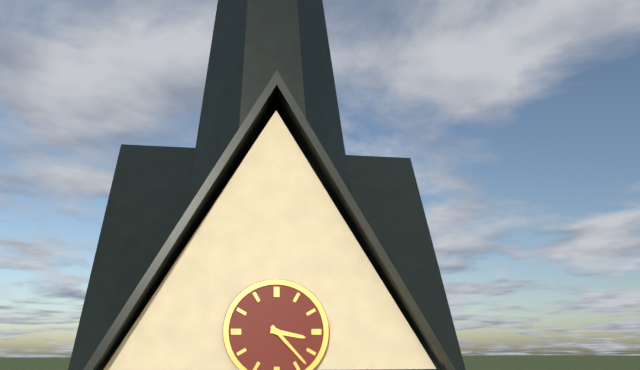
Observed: 3 h 23 min
